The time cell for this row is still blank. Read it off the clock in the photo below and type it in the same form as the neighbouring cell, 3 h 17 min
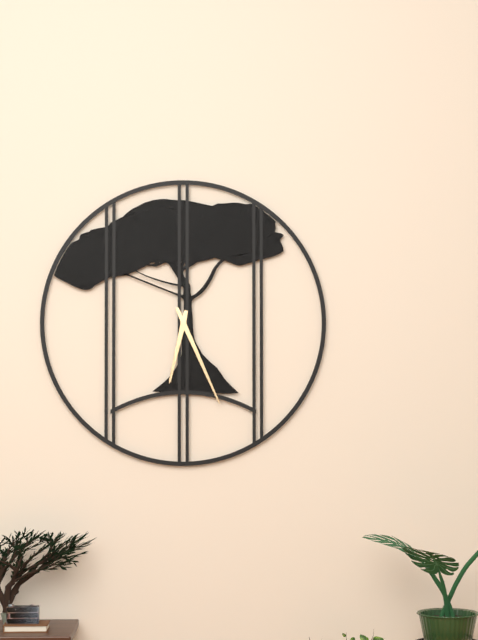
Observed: 6 h 26 min
